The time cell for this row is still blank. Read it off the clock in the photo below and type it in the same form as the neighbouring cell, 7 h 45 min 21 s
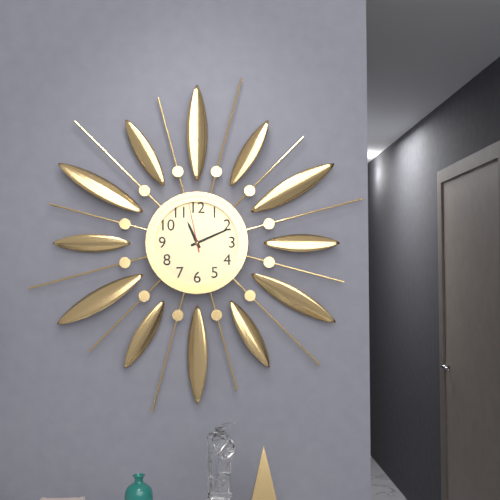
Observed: 11 h 11 min 58 s
